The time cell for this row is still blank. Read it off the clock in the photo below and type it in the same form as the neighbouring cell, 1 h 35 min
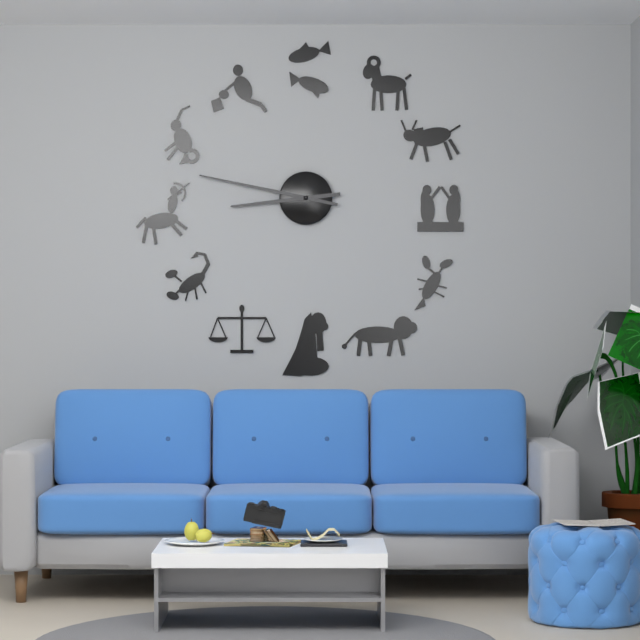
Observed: 8 h 47 min
